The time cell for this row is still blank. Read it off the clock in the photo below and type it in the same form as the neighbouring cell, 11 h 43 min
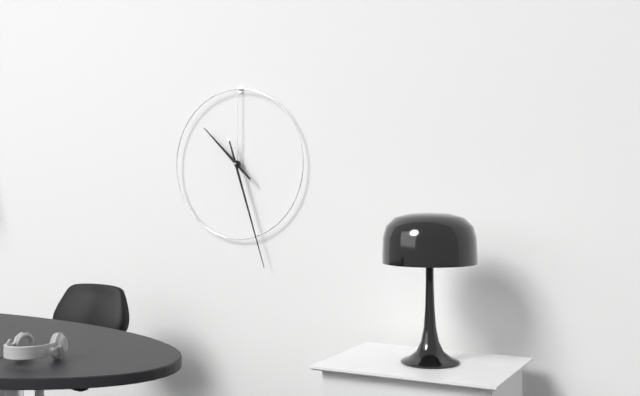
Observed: 10 h 27 min
